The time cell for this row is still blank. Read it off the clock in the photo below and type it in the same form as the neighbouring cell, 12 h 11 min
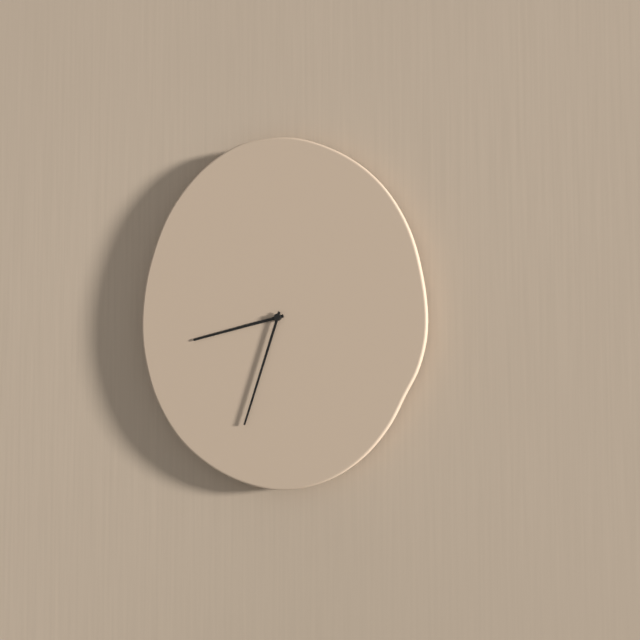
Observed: 8 h 33 min
